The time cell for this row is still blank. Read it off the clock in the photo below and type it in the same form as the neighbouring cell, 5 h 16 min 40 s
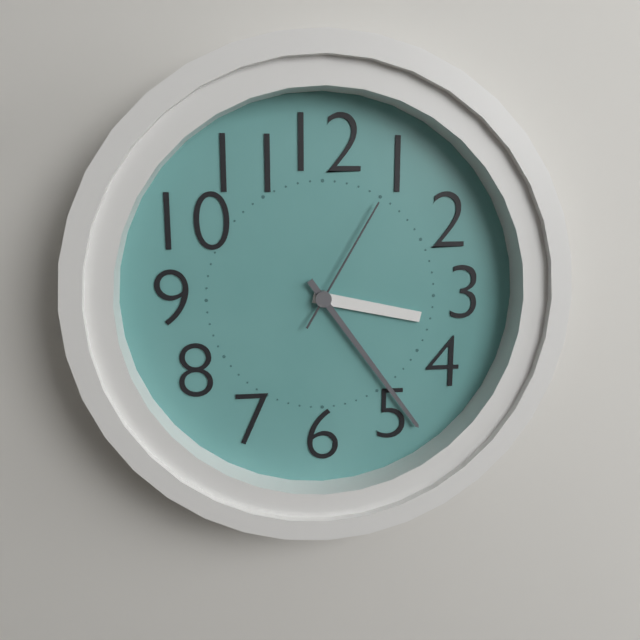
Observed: 3 h 24 min 05 s
